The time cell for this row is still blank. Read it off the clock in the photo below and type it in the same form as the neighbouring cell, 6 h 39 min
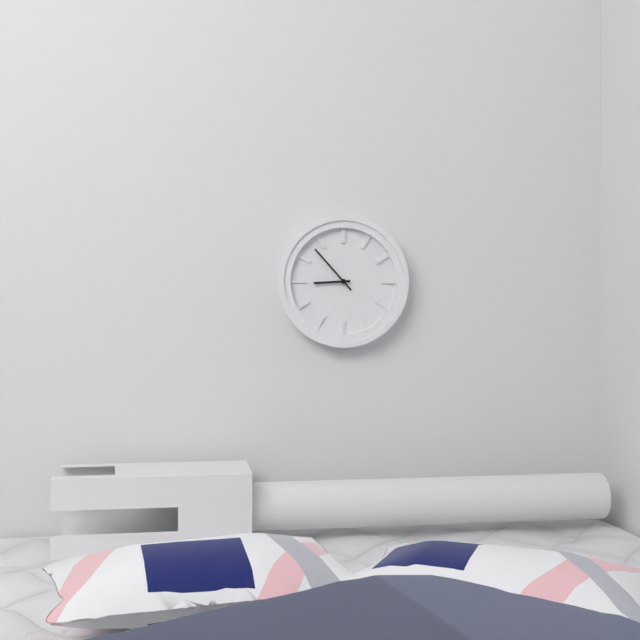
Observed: 8 h 53 min
